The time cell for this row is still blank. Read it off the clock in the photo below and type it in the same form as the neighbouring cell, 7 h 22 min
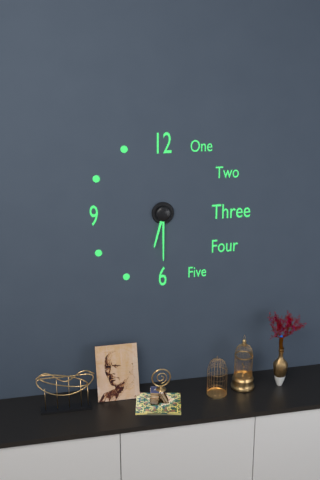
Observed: 6 h 30 min
